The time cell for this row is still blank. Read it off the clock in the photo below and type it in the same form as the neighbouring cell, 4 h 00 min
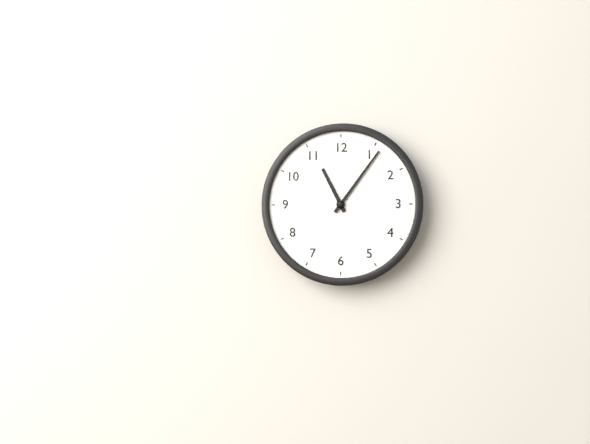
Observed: 11 h 06 min
